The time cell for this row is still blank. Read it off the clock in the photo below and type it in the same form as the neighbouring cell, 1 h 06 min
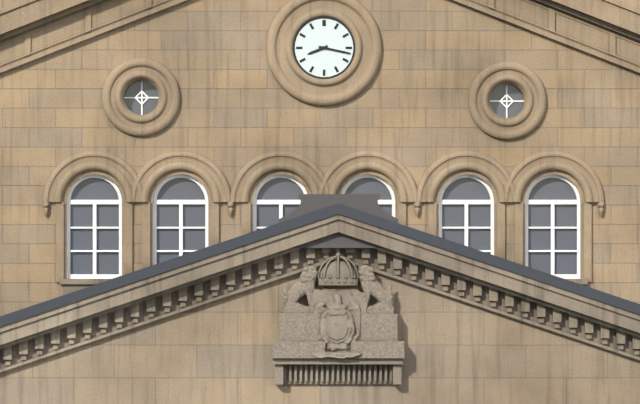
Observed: 8 h 17 min
